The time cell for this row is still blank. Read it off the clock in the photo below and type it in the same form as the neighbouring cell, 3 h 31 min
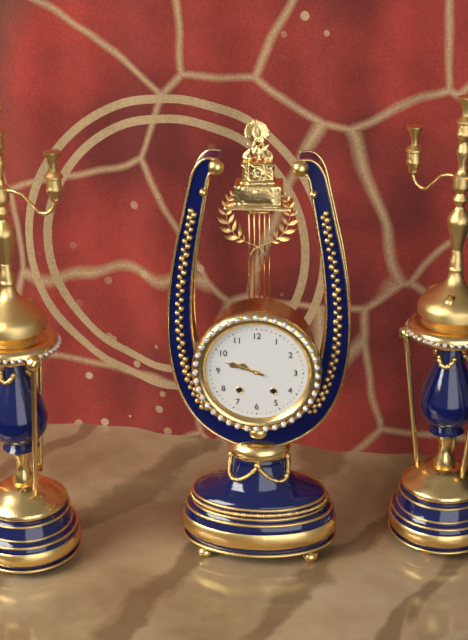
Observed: 9 h 48 min
